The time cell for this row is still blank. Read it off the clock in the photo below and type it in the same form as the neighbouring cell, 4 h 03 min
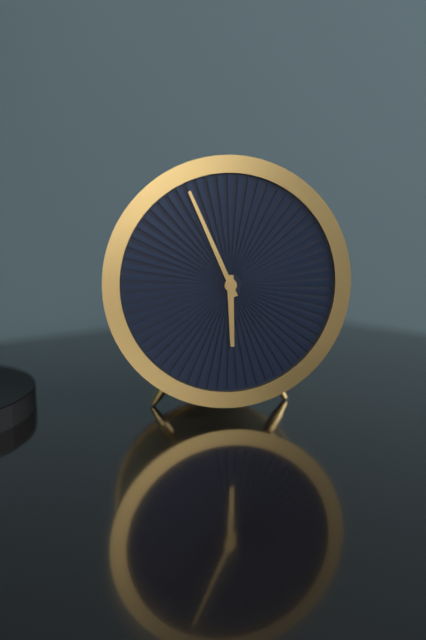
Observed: 5 h 56 min
